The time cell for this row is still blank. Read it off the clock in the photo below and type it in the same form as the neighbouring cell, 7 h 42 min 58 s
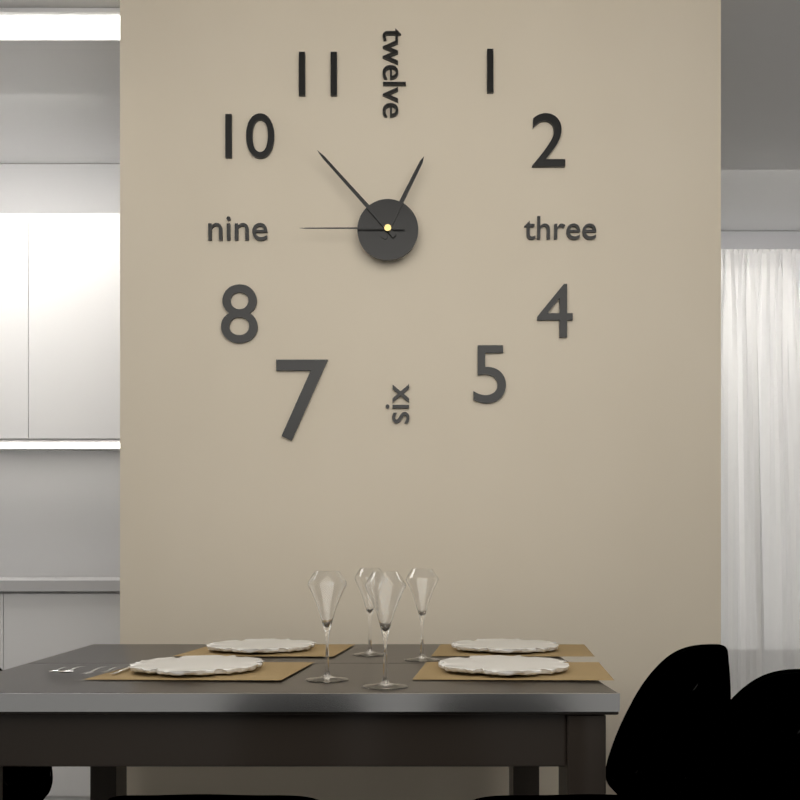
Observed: 12 h 53 min 45 s
